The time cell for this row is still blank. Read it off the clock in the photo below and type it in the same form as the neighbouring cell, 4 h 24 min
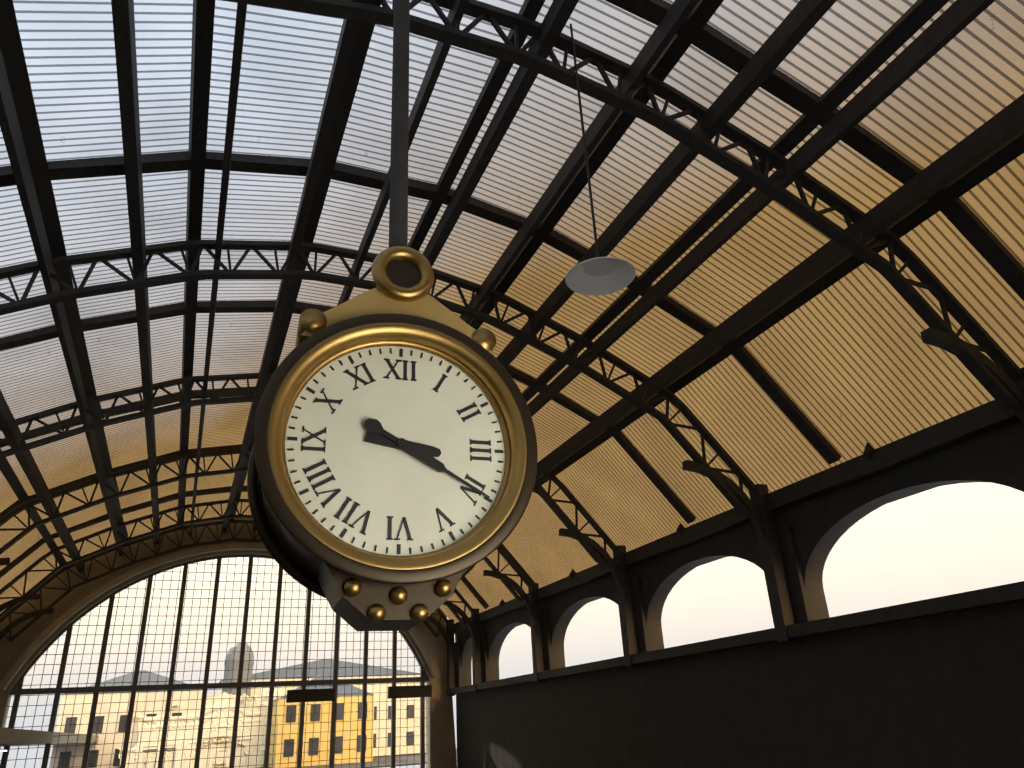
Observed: 3 h 20 min
